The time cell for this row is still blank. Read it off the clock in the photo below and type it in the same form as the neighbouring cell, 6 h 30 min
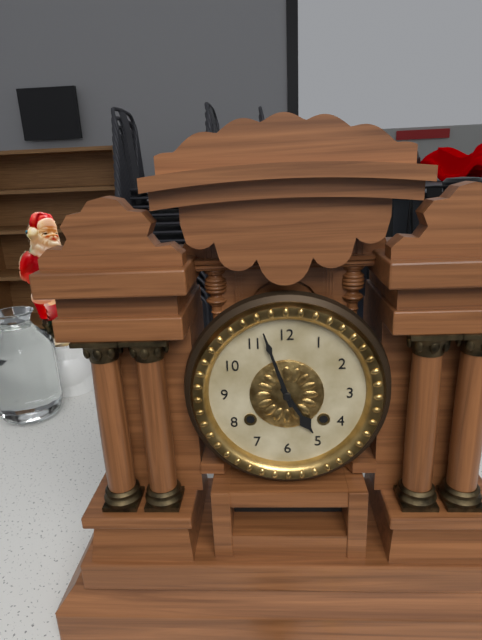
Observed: 4 h 57 min
